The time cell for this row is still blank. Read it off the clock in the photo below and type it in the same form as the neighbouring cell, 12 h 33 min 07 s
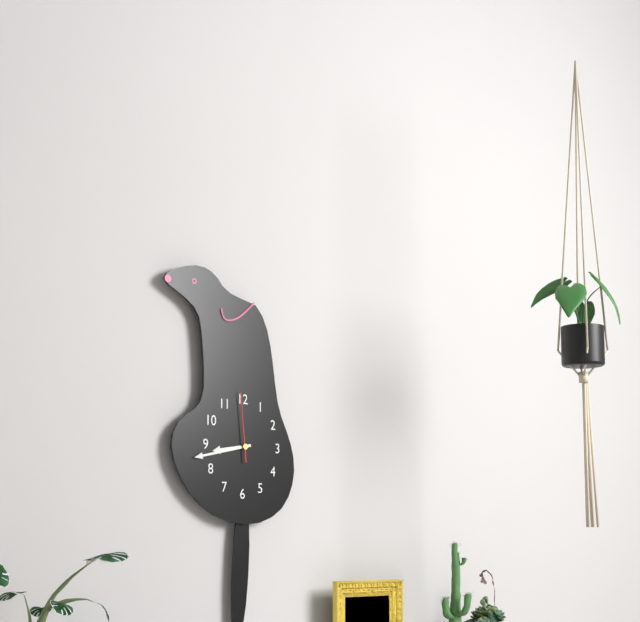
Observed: 8 h 43 min 59 s
